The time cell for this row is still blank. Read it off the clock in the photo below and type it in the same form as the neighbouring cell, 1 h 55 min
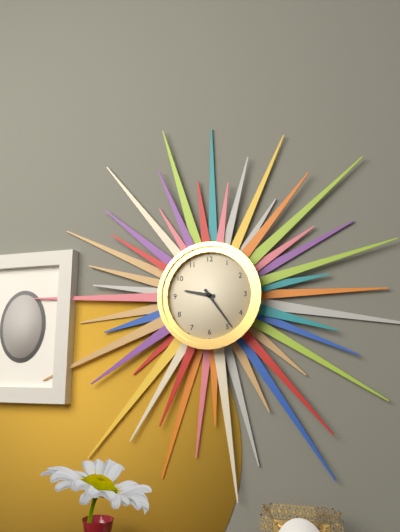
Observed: 9 h 24 min
